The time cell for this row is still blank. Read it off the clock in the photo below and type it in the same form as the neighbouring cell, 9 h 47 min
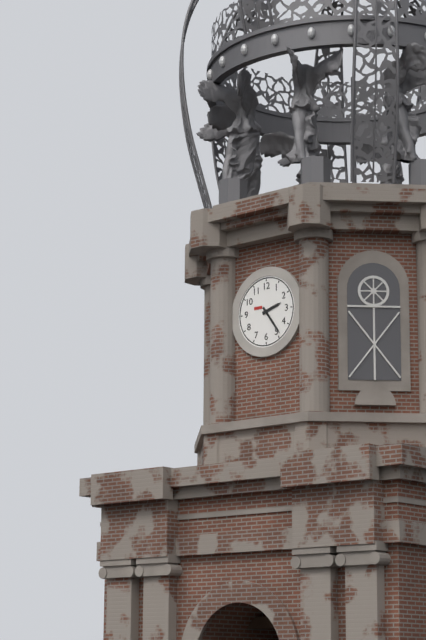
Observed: 2 h 24 min
